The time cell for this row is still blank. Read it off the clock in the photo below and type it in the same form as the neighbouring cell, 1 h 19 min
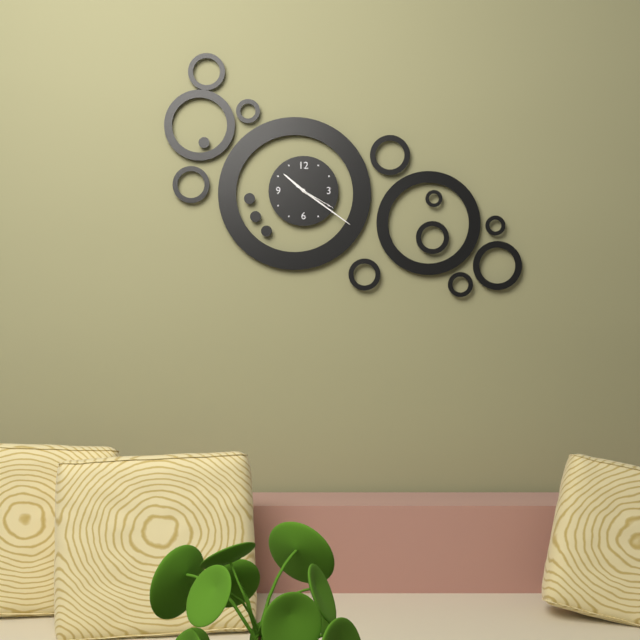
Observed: 10 h 21 min
